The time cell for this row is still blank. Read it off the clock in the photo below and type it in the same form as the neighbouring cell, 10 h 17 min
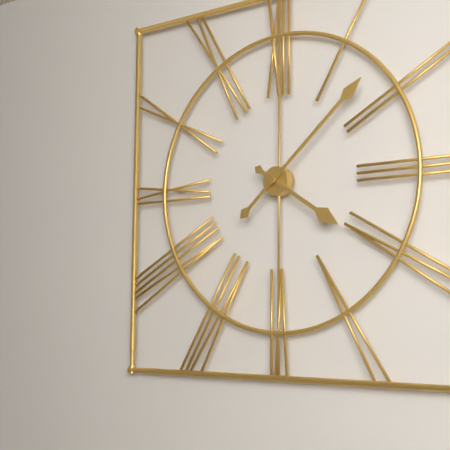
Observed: 4 h 08 min
